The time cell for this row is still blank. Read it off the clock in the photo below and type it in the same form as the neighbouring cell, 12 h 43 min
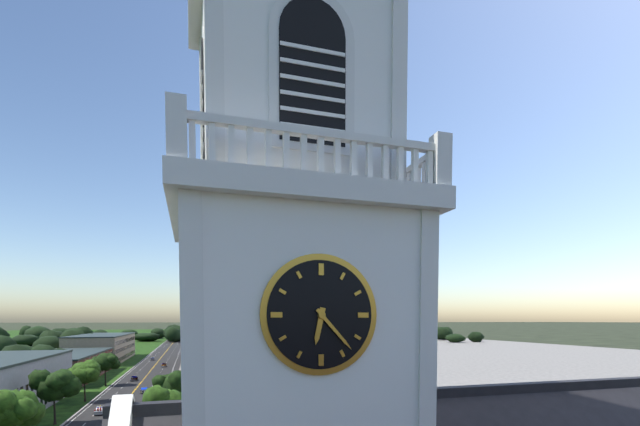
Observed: 6 h 23 min
